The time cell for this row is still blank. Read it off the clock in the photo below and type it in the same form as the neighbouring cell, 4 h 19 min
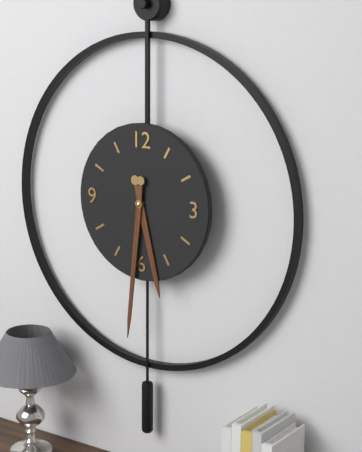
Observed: 5 h 31 min
